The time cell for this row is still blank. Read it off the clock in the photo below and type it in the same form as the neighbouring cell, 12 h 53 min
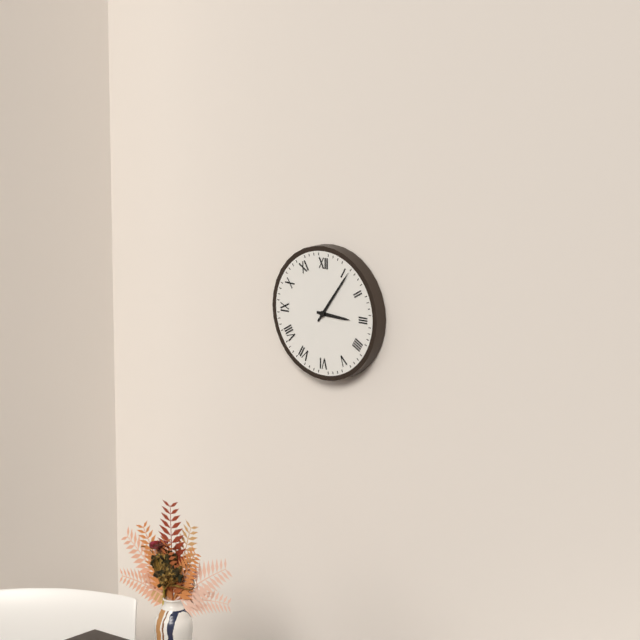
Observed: 3 h 06 min
